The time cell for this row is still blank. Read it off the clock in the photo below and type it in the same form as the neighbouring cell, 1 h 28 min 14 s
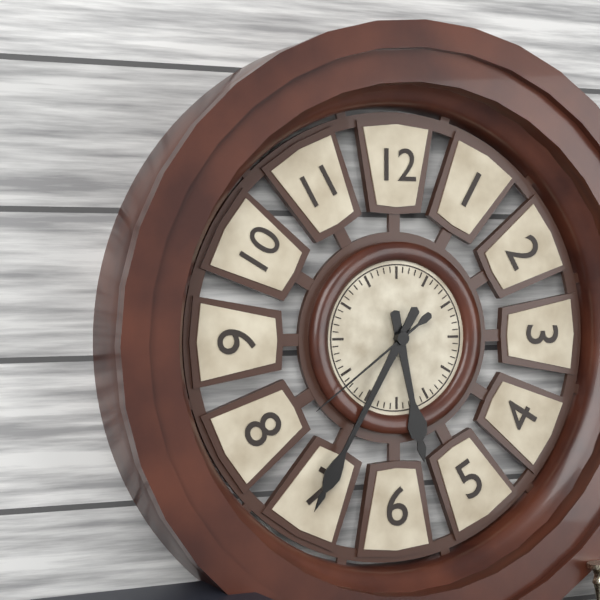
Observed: 5 h 35 min 39 s
